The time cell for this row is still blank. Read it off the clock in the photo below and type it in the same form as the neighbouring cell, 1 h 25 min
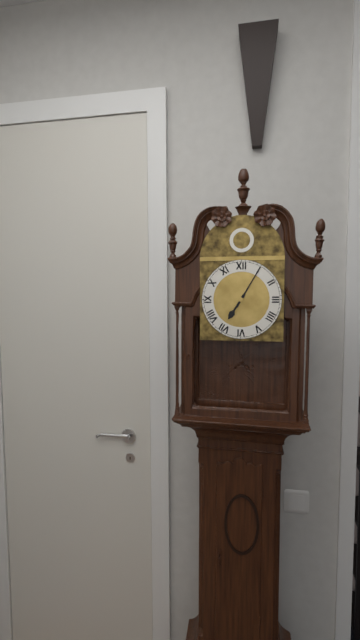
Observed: 7 h 05 min
